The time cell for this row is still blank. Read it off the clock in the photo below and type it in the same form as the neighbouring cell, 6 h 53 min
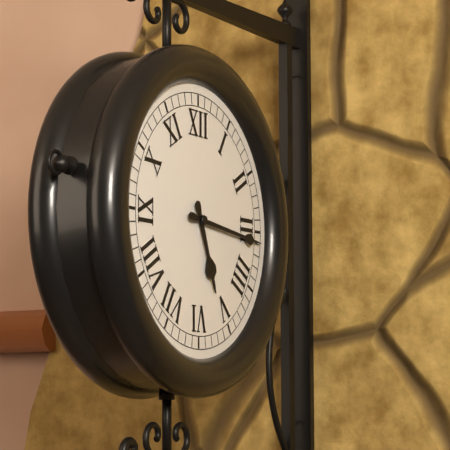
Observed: 5 h 16 min
